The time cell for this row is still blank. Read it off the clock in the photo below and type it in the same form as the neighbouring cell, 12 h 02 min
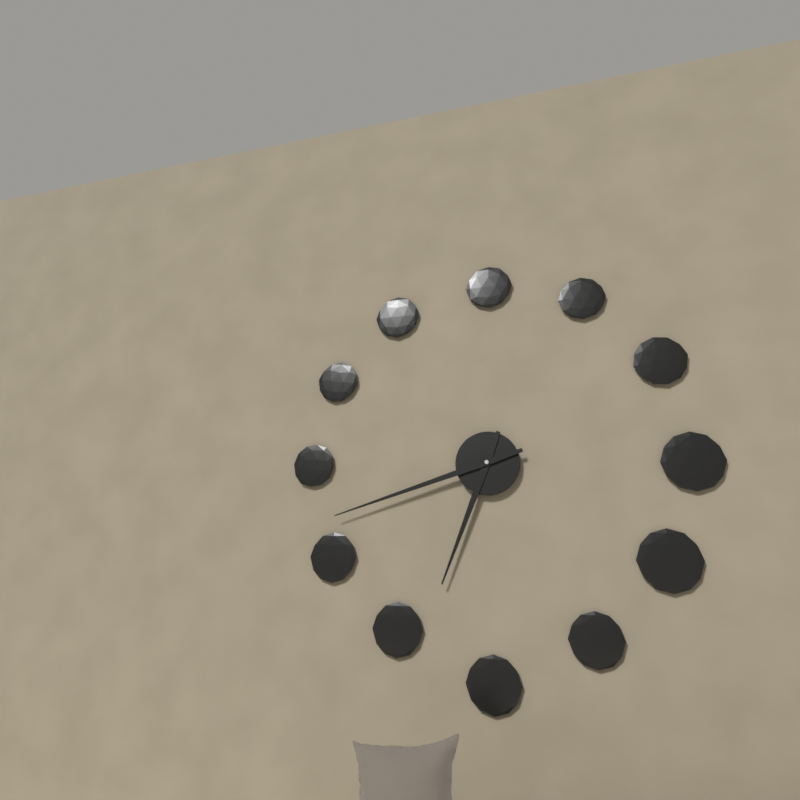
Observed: 6 h 42 min
